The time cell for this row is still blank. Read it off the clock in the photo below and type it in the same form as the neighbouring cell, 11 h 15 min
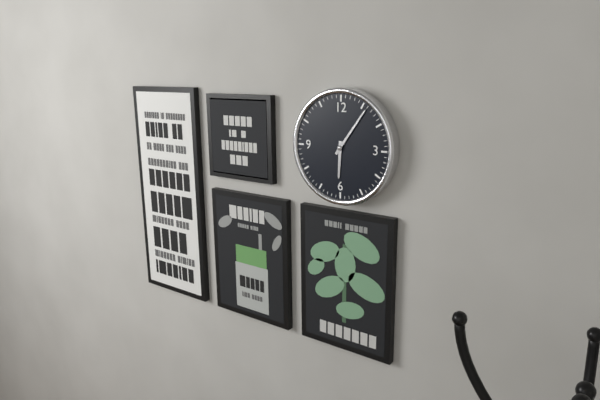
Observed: 6 h 06 min
